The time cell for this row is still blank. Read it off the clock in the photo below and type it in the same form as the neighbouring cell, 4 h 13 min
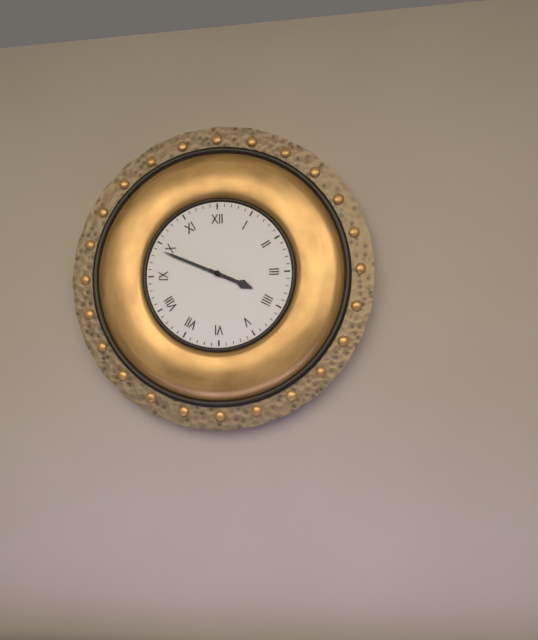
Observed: 3 h 49 min
